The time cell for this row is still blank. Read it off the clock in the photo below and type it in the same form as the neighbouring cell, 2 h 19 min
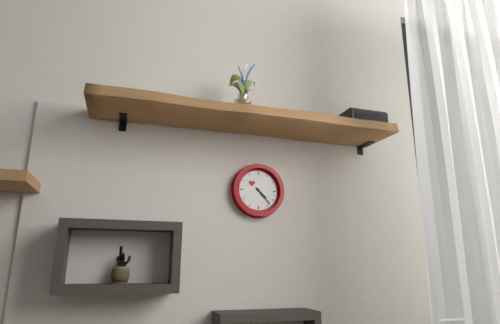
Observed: 4 h 23 min
